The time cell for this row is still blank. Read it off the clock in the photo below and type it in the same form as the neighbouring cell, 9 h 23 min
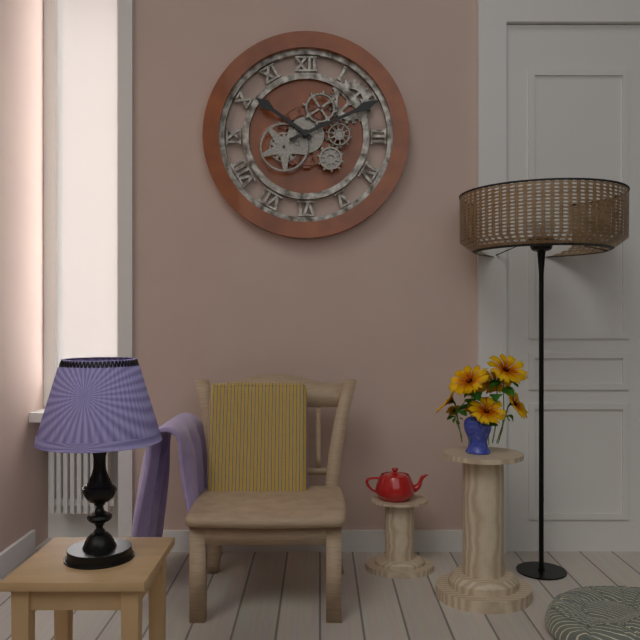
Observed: 10 h 11 min
